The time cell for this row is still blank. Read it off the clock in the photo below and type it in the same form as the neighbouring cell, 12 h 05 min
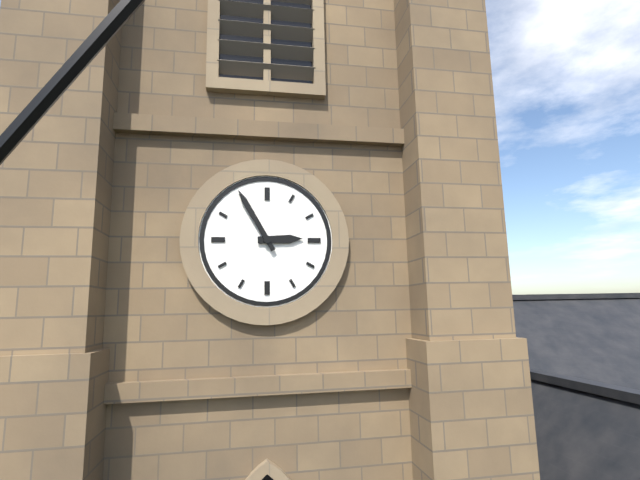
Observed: 2 h 55 min
